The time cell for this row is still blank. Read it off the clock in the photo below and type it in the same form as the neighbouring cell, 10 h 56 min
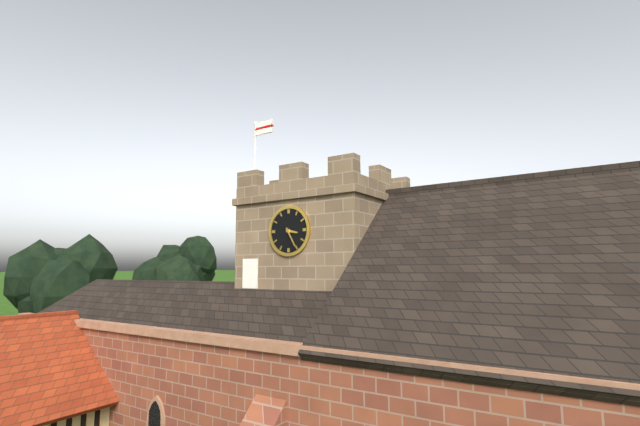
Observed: 3 h 25 min
